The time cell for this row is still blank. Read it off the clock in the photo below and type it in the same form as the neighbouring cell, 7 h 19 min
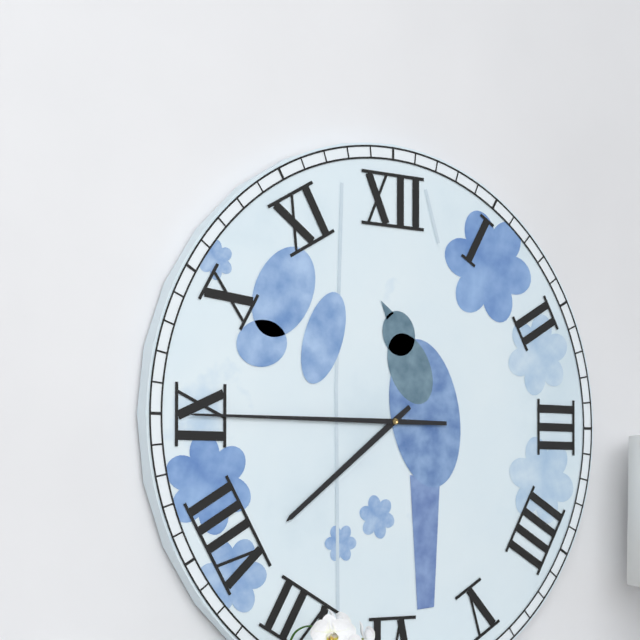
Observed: 7 h 45 min
